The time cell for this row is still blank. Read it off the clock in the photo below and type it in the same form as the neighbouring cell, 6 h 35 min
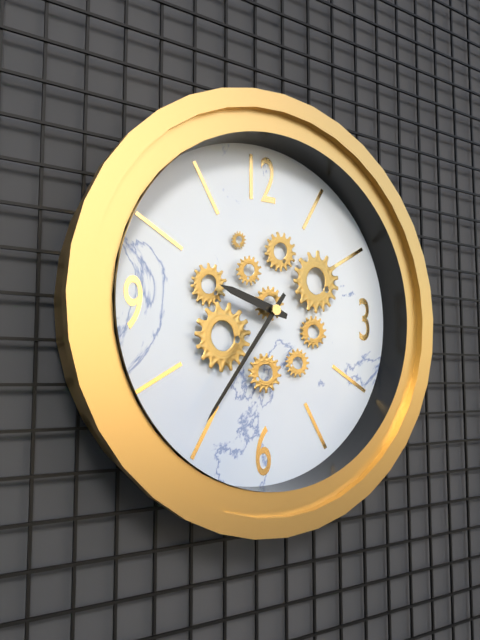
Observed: 9 h 36 min
